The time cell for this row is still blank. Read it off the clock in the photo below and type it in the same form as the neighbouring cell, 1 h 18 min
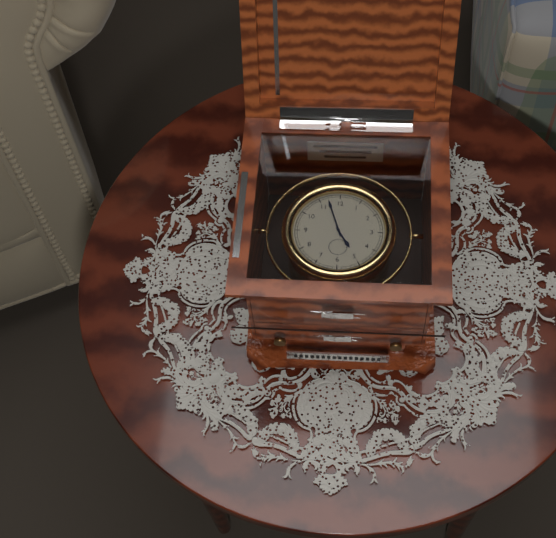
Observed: 4 h 57 min
